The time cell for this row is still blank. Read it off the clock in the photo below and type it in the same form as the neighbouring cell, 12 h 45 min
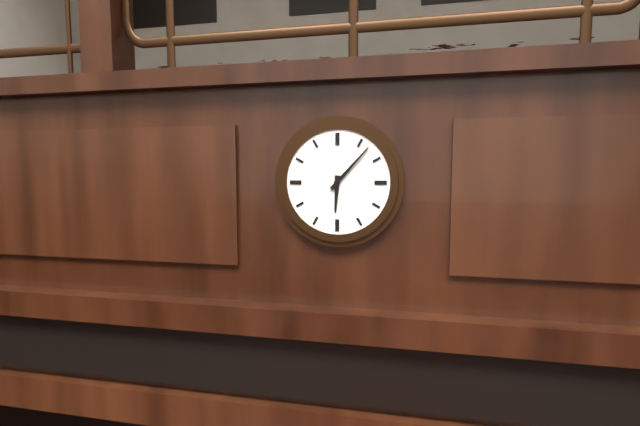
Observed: 6 h 07 min
